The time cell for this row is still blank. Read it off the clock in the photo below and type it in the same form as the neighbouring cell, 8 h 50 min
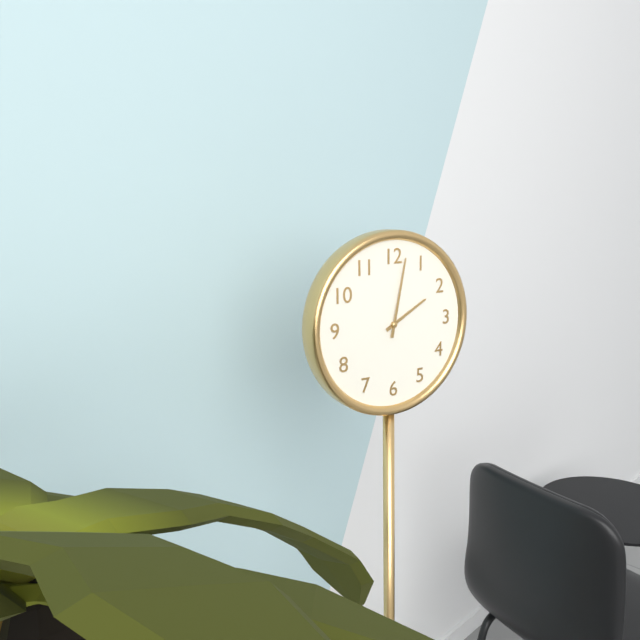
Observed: 2 h 02 min
